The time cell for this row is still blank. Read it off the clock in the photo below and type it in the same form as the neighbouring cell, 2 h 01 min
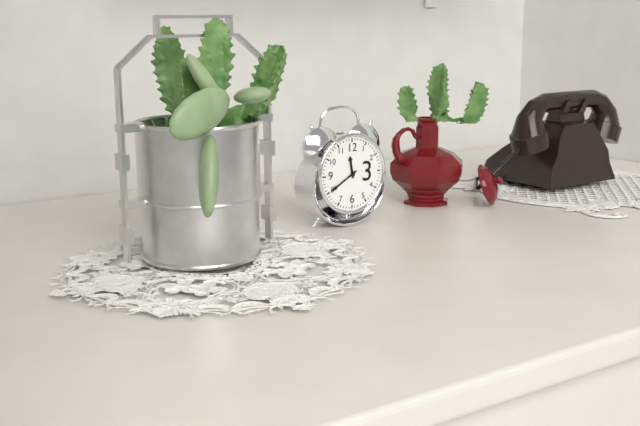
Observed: 11 h 40 min
